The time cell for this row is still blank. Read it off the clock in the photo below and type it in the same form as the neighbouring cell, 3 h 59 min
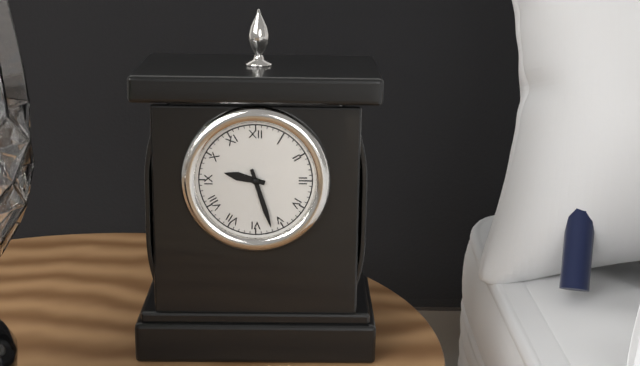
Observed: 9 h 27 min
